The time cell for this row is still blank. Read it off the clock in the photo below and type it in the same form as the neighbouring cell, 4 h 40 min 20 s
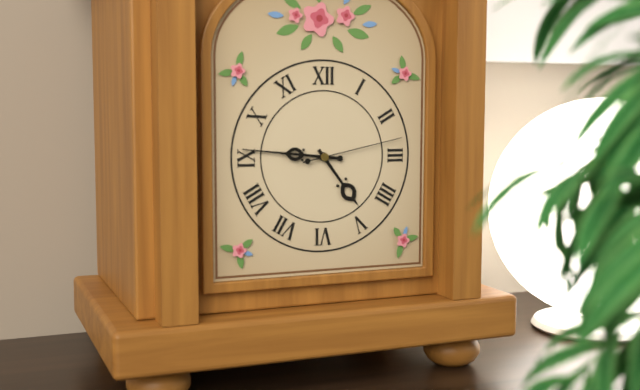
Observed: 4 h 46 min 13 s
